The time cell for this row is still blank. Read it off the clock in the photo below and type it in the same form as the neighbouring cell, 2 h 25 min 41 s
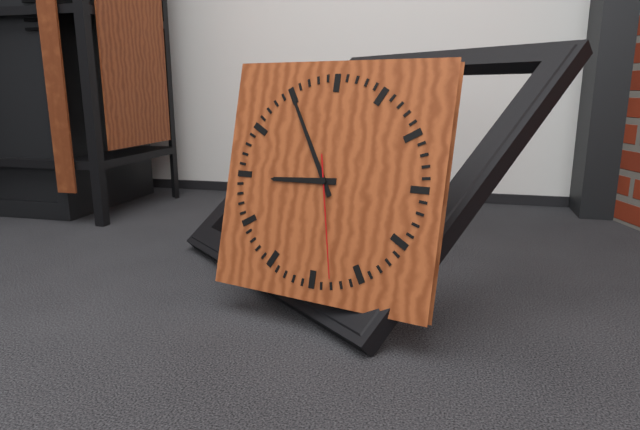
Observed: 8 h 55 min 28 s
